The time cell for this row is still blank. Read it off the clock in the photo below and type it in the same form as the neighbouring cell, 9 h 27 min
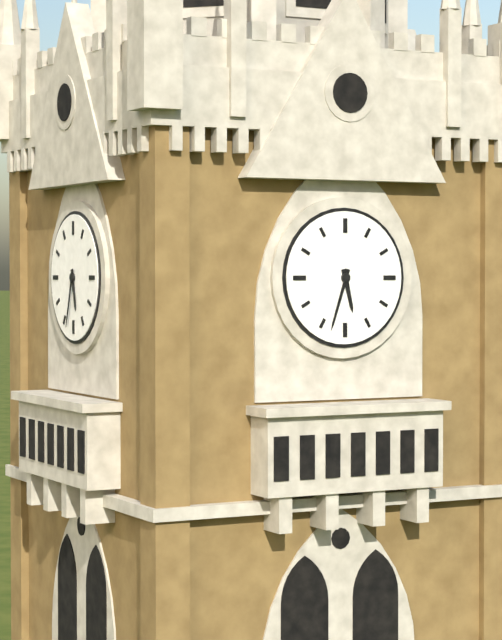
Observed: 5 h 33 min
